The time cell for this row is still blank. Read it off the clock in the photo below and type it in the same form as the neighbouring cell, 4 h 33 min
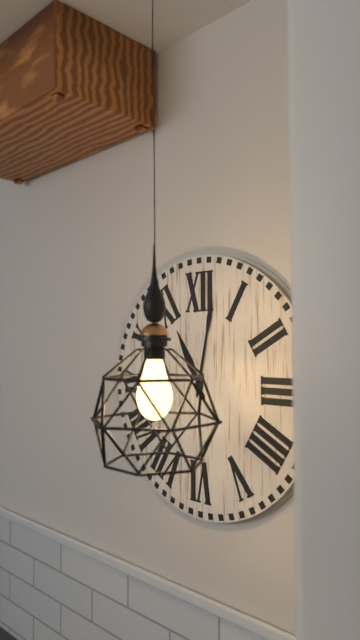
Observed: 11 h 02 min
